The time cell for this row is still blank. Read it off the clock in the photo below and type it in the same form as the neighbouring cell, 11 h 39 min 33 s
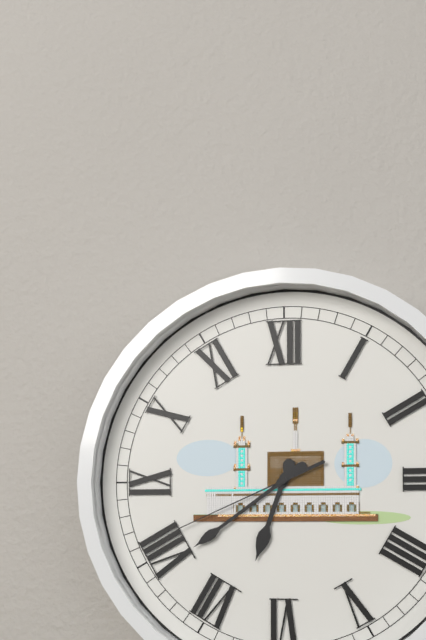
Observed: 6 h 39 min 41 s
